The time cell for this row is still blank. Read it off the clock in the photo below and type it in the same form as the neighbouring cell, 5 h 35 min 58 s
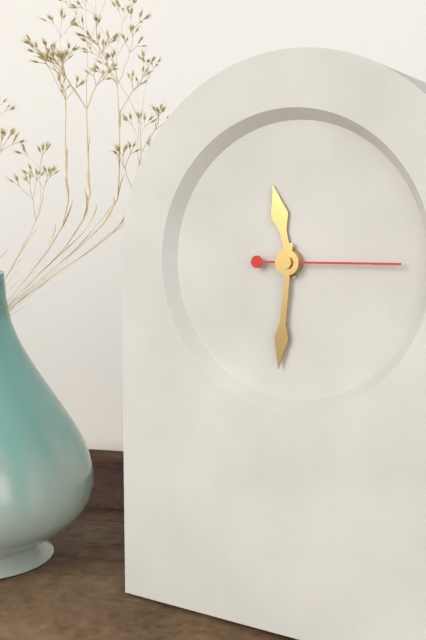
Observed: 11 h 31 min 15 s
